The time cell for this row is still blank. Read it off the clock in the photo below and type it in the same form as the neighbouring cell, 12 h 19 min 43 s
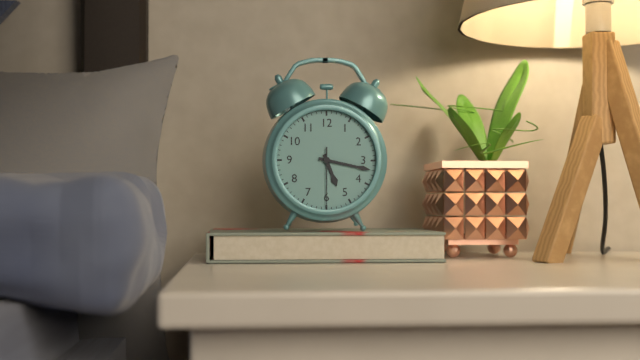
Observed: 5 h 17 min 30 s
